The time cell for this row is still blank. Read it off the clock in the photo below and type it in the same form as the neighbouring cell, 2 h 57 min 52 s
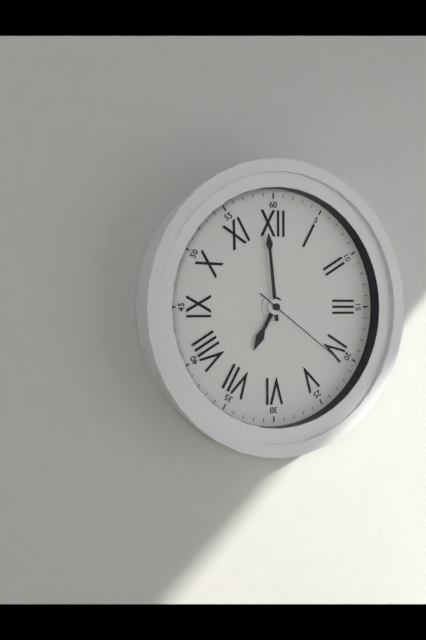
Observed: 6 h 59 min 21 s
